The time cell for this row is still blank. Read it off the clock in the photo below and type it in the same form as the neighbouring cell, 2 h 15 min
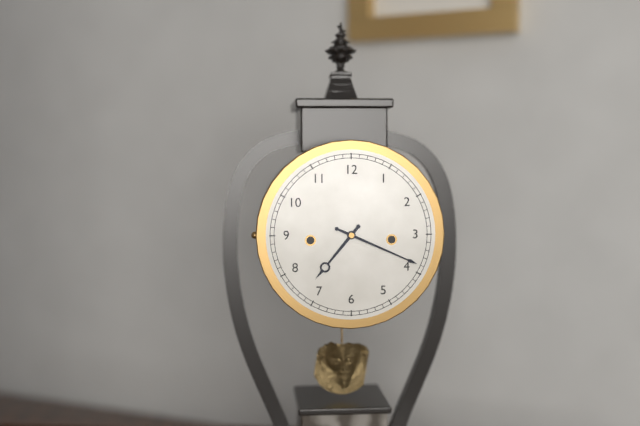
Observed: 7 h 19 min
